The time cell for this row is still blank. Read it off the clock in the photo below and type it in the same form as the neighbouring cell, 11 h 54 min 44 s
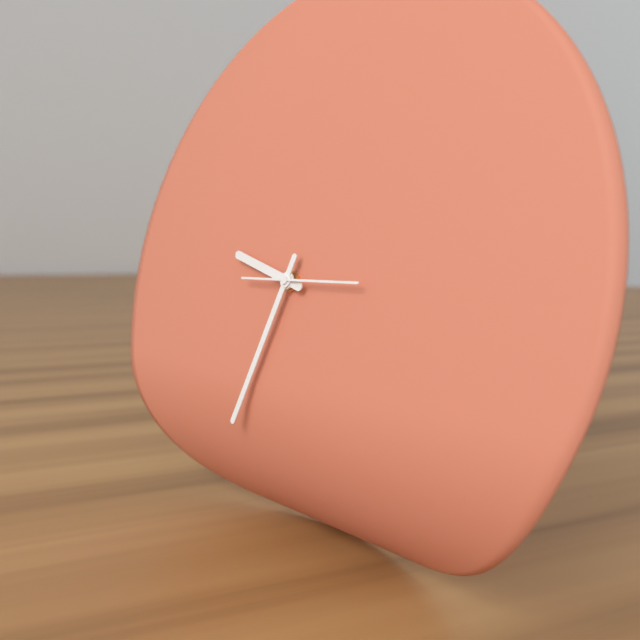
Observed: 9 h 33 min 15 s
